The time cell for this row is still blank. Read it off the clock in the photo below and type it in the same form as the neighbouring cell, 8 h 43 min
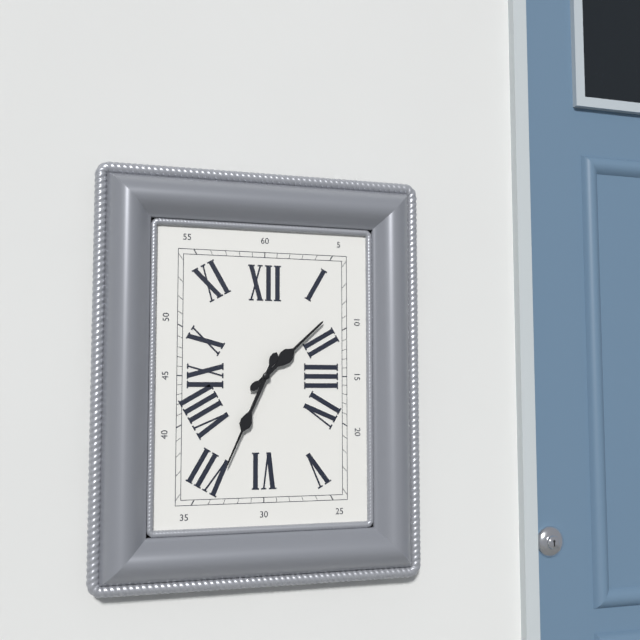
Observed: 1 h 34 min
